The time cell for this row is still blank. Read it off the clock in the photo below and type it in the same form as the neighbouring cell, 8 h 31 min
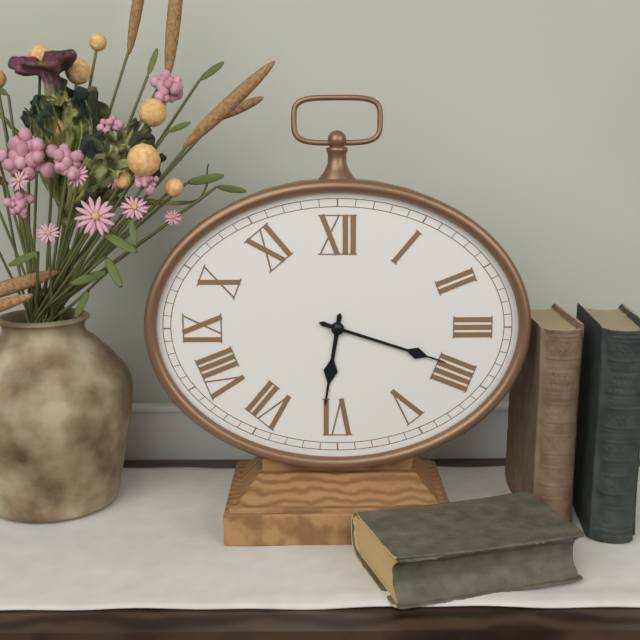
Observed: 6 h 18 min
